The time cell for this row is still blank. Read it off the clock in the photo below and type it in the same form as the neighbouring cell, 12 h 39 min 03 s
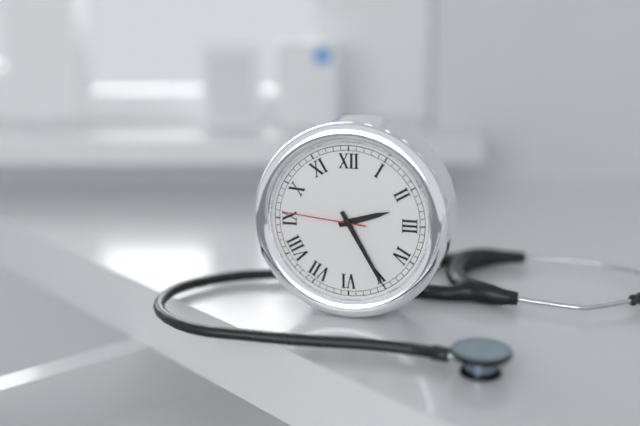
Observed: 2 h 25 min 46 s
